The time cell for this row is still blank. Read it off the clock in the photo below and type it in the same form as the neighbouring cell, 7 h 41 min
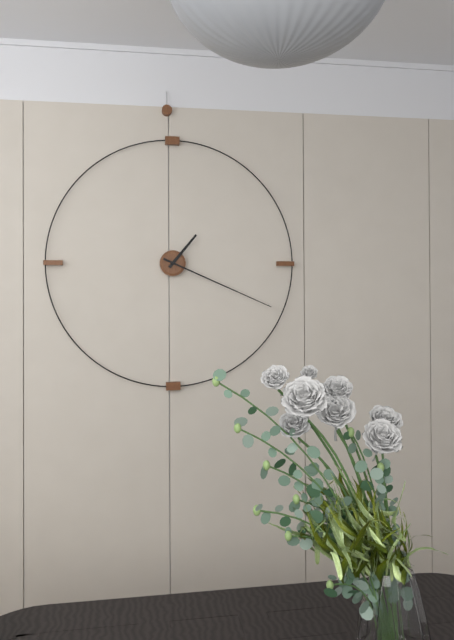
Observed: 1 h 19 min
